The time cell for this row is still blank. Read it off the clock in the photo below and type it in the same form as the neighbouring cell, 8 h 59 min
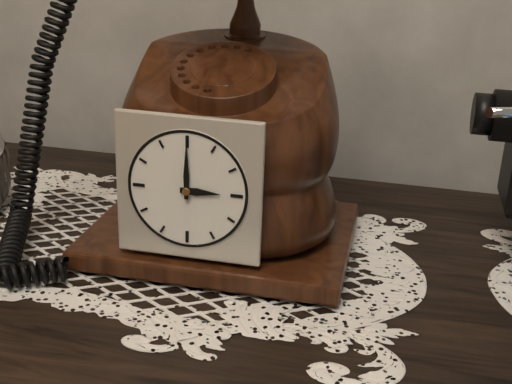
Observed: 3 h 00 min
